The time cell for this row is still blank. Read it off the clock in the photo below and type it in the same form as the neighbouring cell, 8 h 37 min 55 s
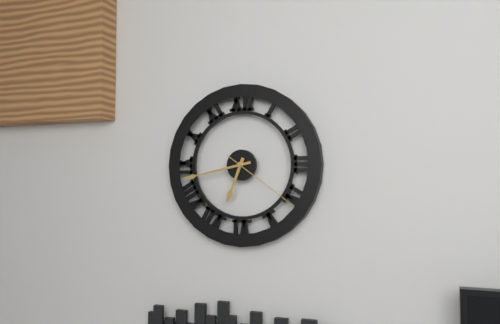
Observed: 6 h 43 min 21 s
